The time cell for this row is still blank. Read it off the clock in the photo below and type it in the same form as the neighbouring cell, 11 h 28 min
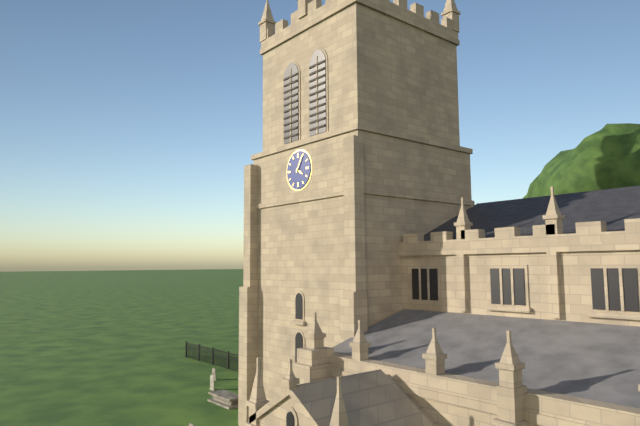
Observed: 4 h 05 min
